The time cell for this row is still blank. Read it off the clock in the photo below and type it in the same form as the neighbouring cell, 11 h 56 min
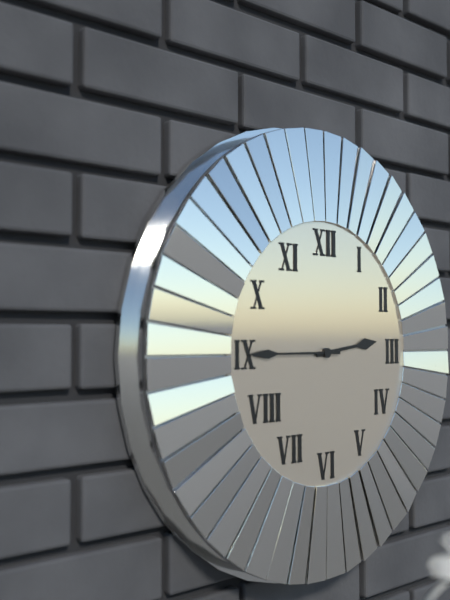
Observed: 2 h 45 min
